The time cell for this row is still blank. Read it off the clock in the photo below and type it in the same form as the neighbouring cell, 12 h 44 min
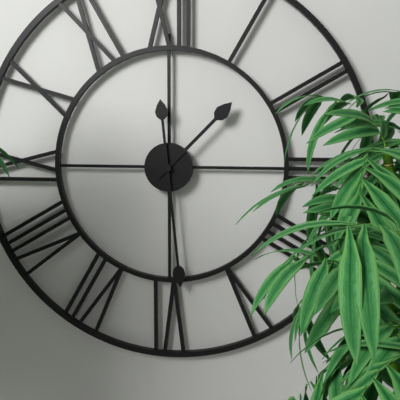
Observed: 1 h 29 min
